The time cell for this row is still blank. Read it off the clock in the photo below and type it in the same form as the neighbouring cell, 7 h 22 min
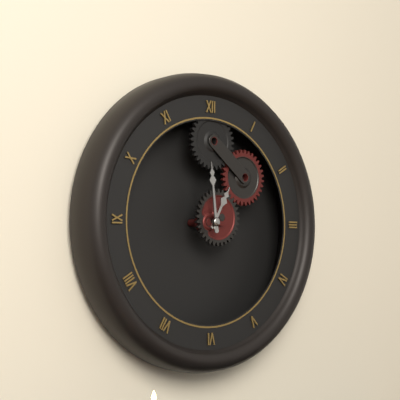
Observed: 12 h 59 min
